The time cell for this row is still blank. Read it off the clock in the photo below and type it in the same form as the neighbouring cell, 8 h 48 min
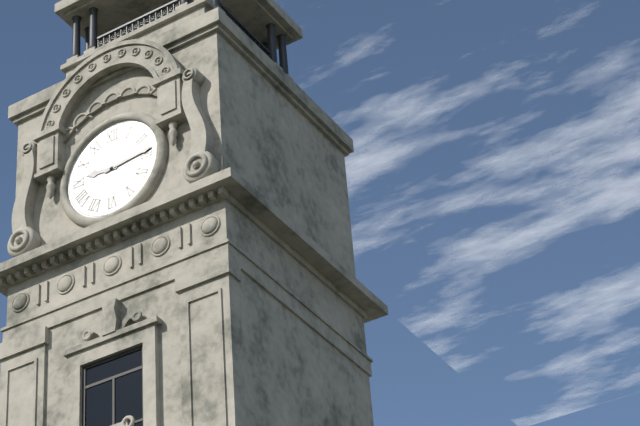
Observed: 9 h 14 min
